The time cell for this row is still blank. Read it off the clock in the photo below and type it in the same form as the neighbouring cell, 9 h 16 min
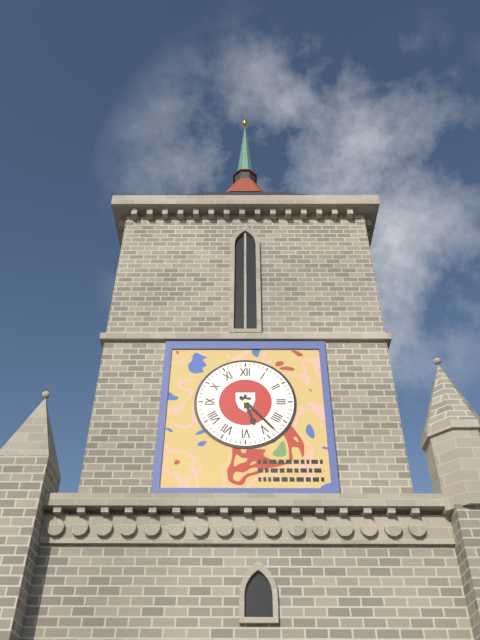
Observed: 5 h 23 min
